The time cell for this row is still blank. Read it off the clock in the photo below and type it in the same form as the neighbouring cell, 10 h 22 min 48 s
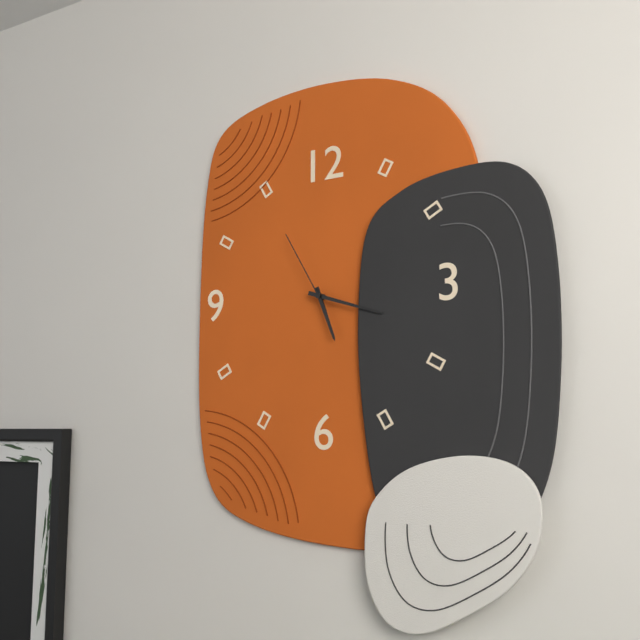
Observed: 5 h 18 min 55 s
